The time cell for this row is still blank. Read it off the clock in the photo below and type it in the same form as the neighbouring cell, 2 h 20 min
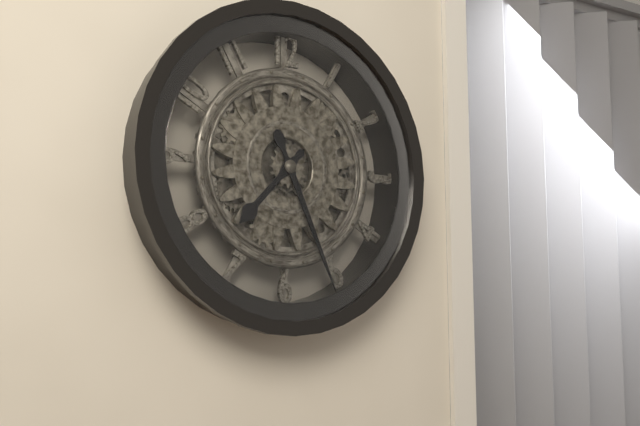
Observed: 7 h 26 min
